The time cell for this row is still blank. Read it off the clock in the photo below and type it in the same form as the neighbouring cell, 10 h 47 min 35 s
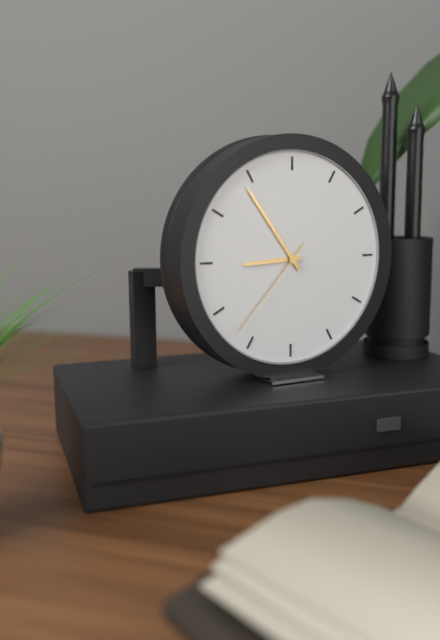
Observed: 8 h 54 min 37 s
